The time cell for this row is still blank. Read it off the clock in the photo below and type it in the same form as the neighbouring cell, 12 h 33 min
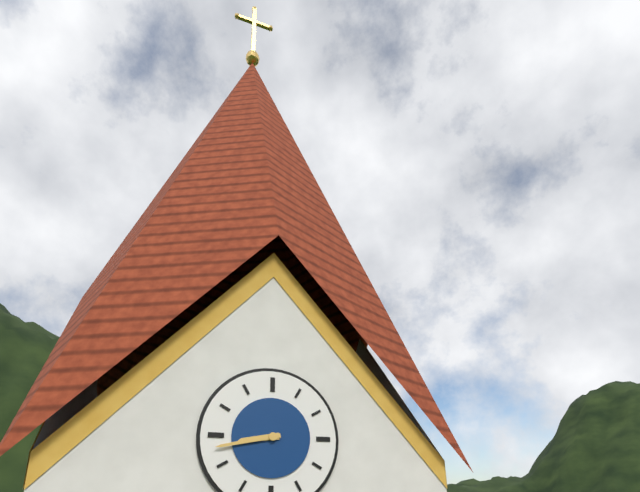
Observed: 8 h 43 min
